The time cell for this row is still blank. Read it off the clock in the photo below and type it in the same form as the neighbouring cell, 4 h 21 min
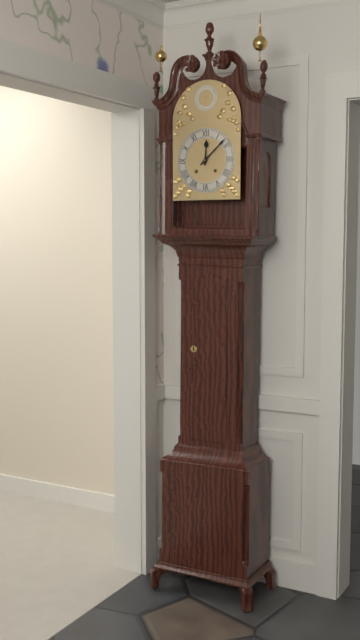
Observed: 12 h 08 min
